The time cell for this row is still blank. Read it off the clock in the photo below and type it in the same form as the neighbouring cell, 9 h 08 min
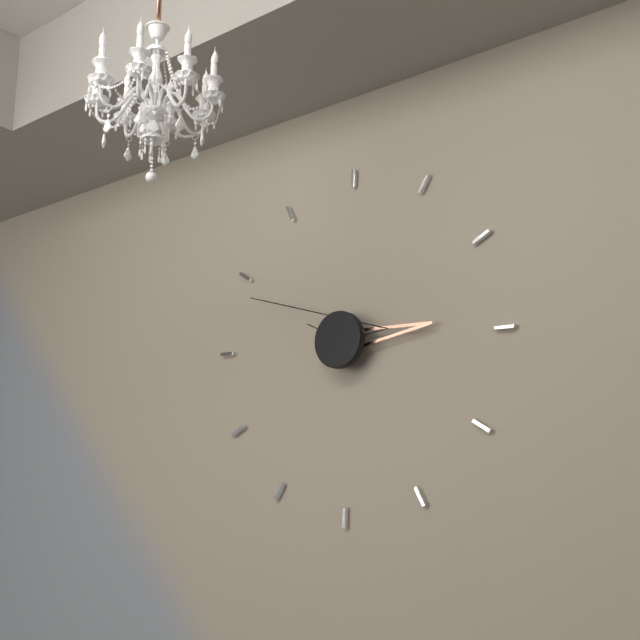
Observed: 2 h 49 min
